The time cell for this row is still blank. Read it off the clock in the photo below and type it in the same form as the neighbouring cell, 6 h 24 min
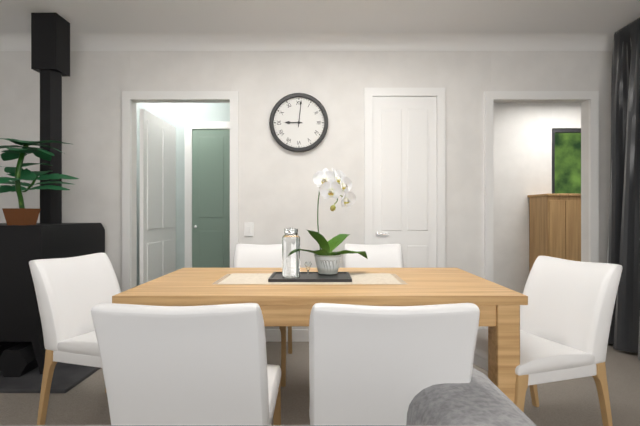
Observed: 9 h 01 min
